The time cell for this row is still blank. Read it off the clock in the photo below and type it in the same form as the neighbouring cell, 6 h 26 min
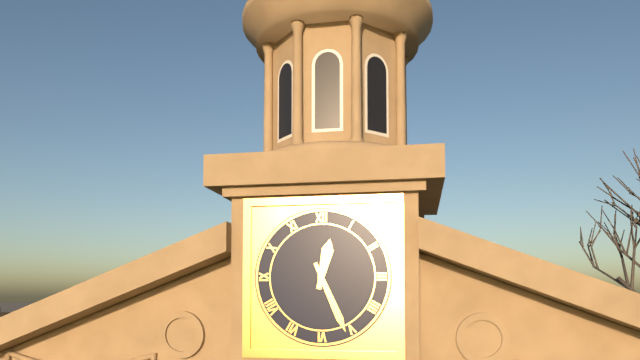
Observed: 12 h 26 min
